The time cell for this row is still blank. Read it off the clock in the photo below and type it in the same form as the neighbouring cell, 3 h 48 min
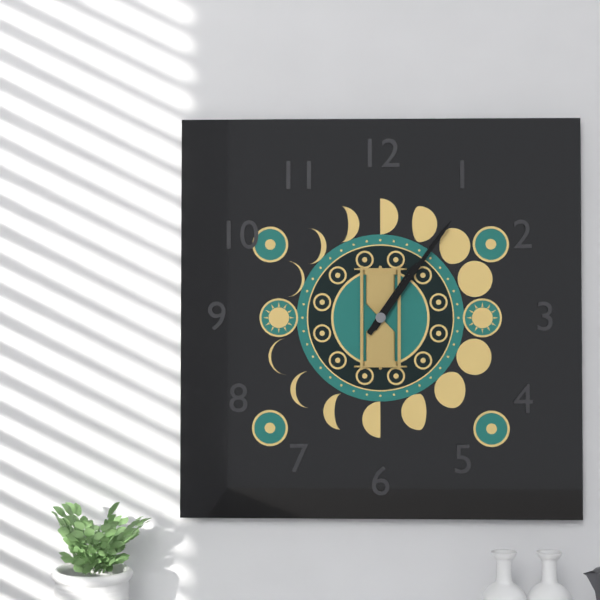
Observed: 1 h 06 min
